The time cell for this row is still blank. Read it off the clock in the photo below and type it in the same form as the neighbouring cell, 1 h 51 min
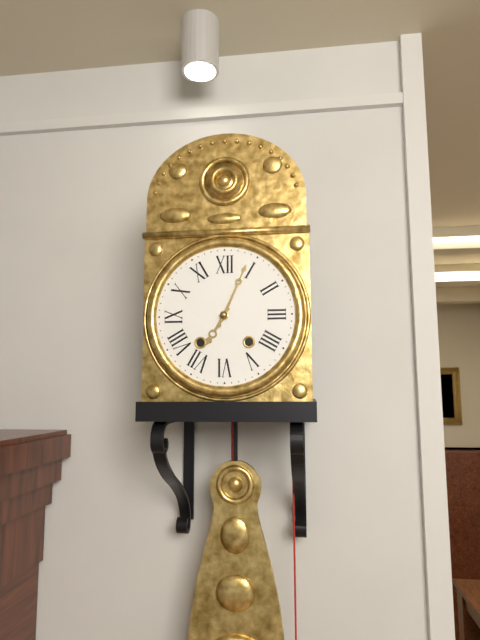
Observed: 7 h 04 min
